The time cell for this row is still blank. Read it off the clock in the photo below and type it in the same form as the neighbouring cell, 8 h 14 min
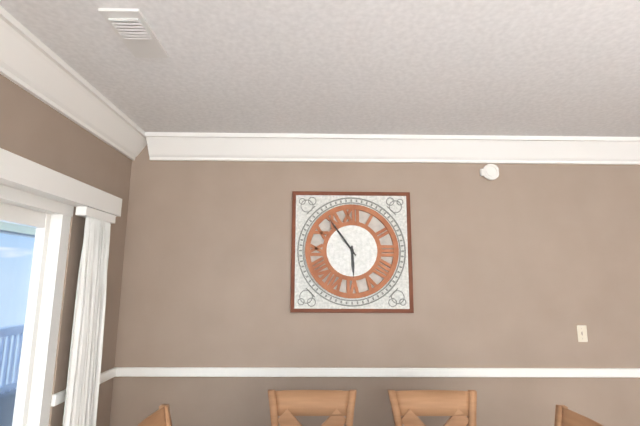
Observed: 5 h 54 min
